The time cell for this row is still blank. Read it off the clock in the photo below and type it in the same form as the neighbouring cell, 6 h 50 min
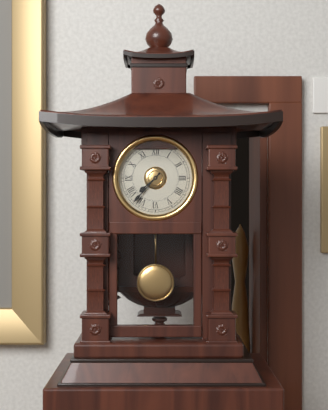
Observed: 7 h 37 min
